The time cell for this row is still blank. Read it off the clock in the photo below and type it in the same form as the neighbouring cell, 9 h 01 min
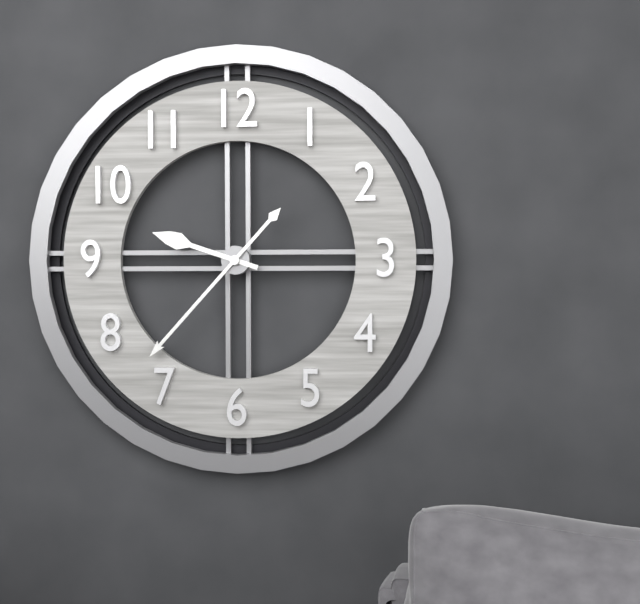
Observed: 9 h 37 min
